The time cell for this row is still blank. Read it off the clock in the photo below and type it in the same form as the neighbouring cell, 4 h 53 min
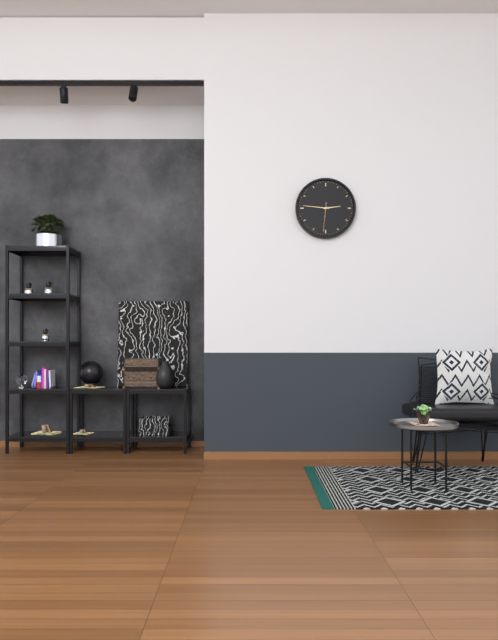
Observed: 2 h 46 min
